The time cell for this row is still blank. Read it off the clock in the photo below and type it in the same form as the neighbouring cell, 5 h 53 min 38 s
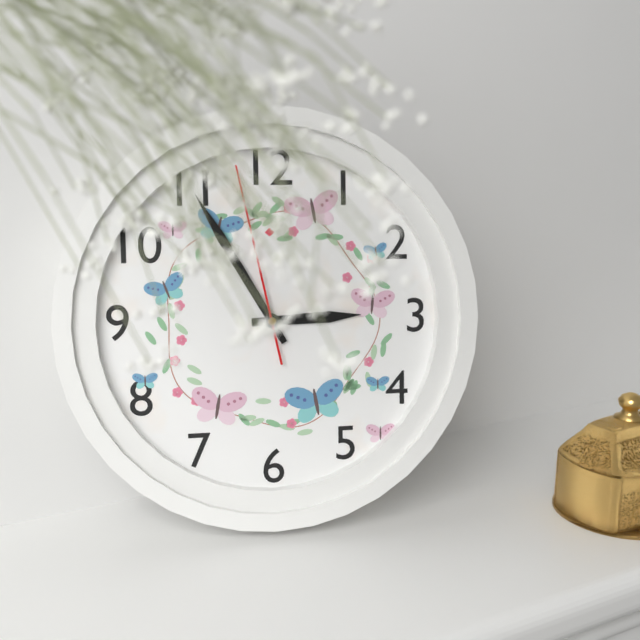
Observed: 2 h 55 min 58 s
